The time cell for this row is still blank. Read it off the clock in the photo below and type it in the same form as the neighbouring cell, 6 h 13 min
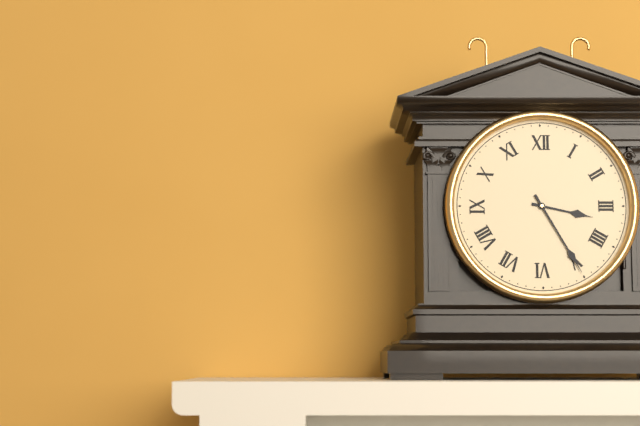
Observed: 3 h 25 min
